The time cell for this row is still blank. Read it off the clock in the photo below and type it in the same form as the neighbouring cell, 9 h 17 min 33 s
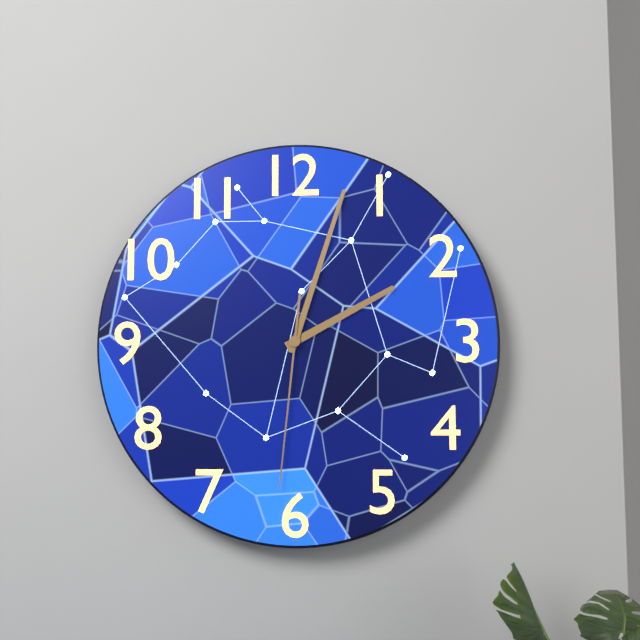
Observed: 2 h 03 min 31 s
